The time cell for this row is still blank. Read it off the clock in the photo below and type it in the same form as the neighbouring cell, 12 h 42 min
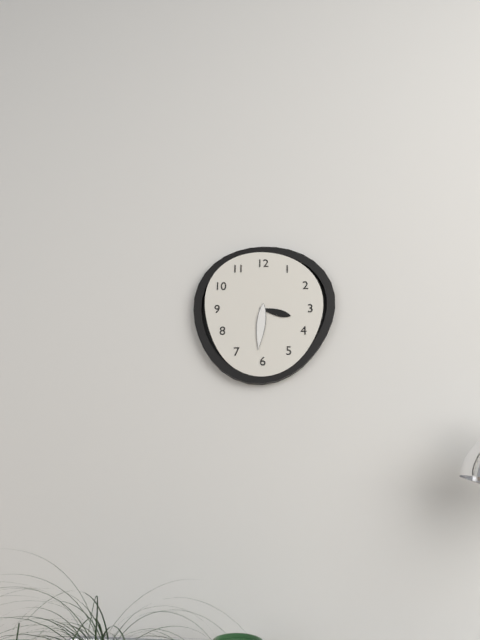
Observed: 3 h 31 min
